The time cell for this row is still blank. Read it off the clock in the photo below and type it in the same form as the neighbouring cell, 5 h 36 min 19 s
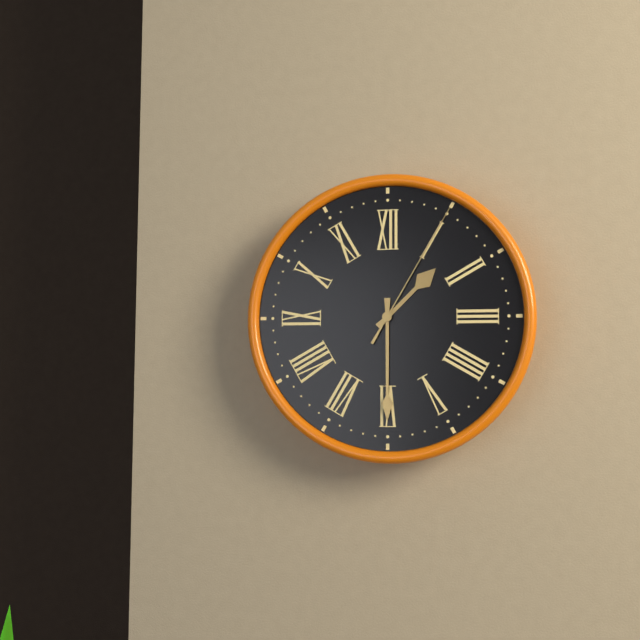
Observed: 1 h 30 min 05 s
